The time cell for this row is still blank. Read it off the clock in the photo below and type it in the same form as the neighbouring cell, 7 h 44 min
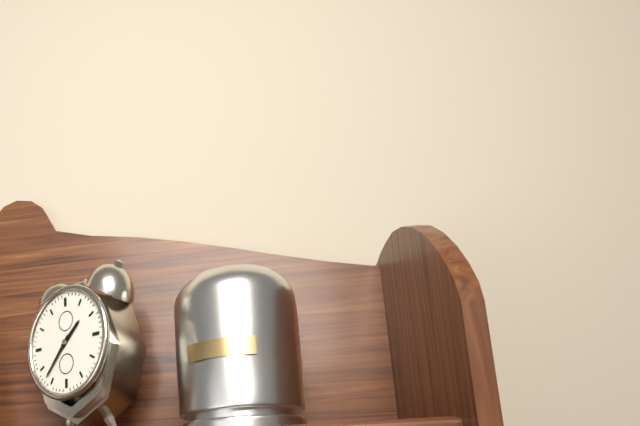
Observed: 1 h 37 min
